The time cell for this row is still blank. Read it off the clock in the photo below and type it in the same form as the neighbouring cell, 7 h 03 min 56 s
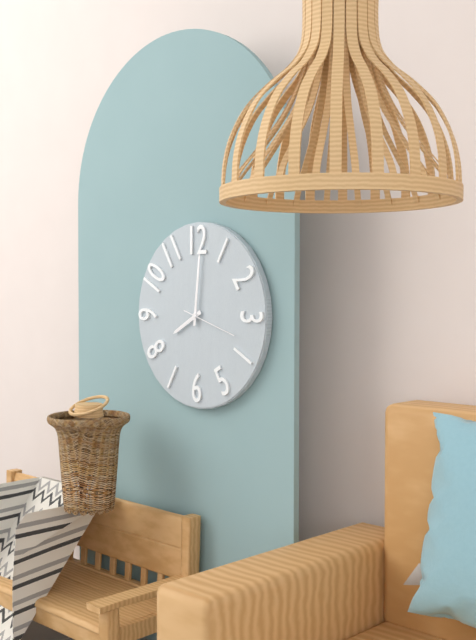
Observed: 8 h 01 min 18 s
